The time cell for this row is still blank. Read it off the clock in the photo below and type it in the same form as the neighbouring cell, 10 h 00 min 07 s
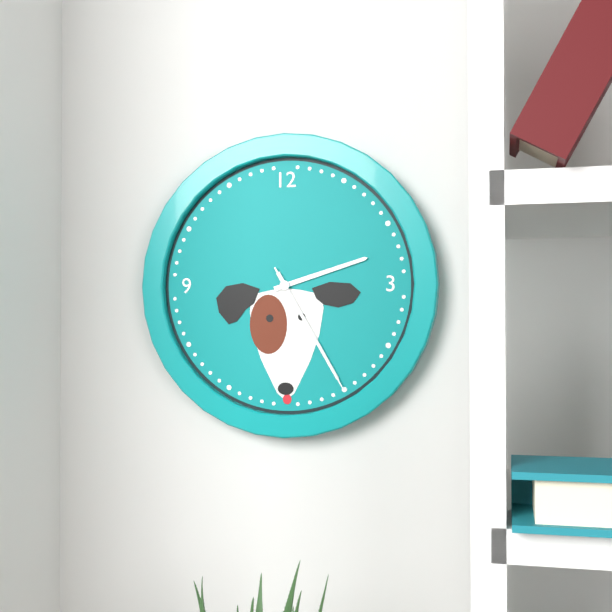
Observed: 2 h 25 min 25 s
